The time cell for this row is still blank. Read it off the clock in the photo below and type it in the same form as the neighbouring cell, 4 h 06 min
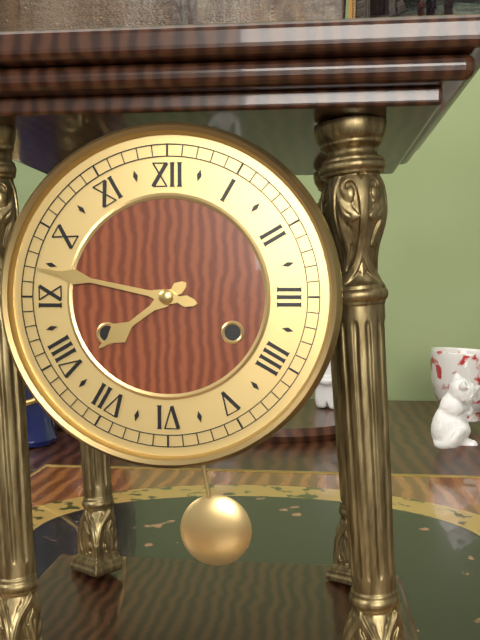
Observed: 7 h 47 min
